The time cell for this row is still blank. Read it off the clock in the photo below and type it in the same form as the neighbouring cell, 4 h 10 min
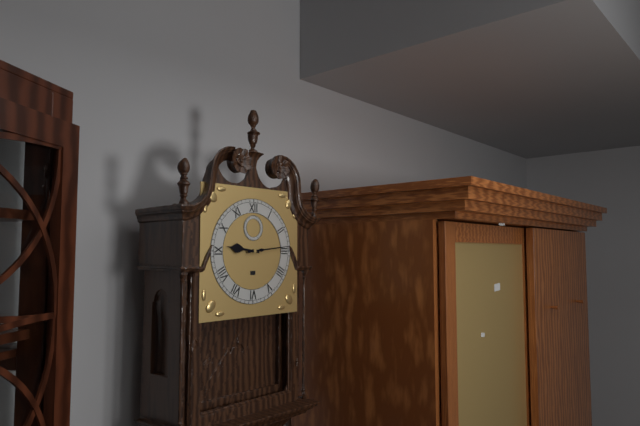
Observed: 9 h 14 min
